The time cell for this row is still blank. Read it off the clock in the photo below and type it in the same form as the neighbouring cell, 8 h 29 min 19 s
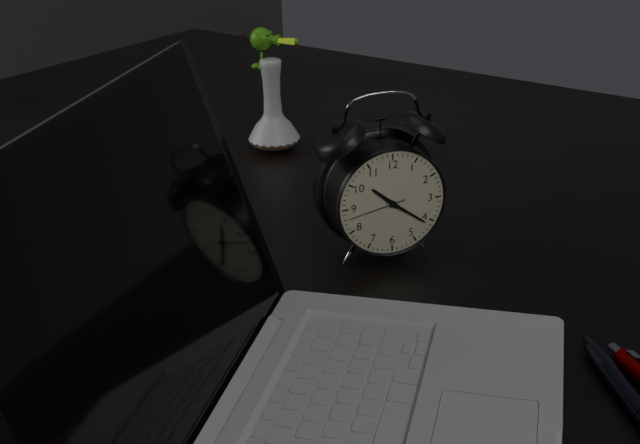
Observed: 10 h 21 min 43 s
